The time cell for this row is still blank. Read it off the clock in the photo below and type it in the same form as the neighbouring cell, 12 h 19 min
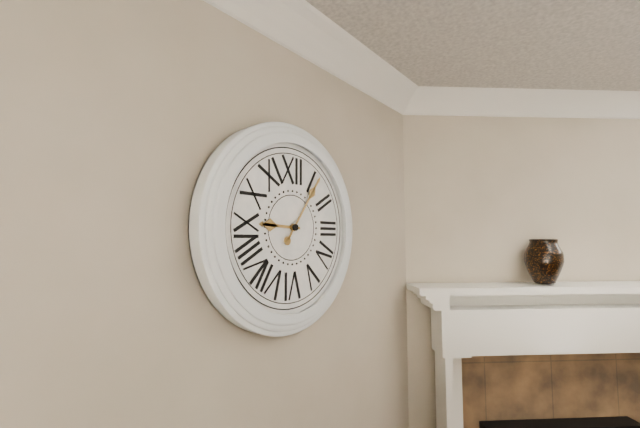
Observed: 9 h 06 min
